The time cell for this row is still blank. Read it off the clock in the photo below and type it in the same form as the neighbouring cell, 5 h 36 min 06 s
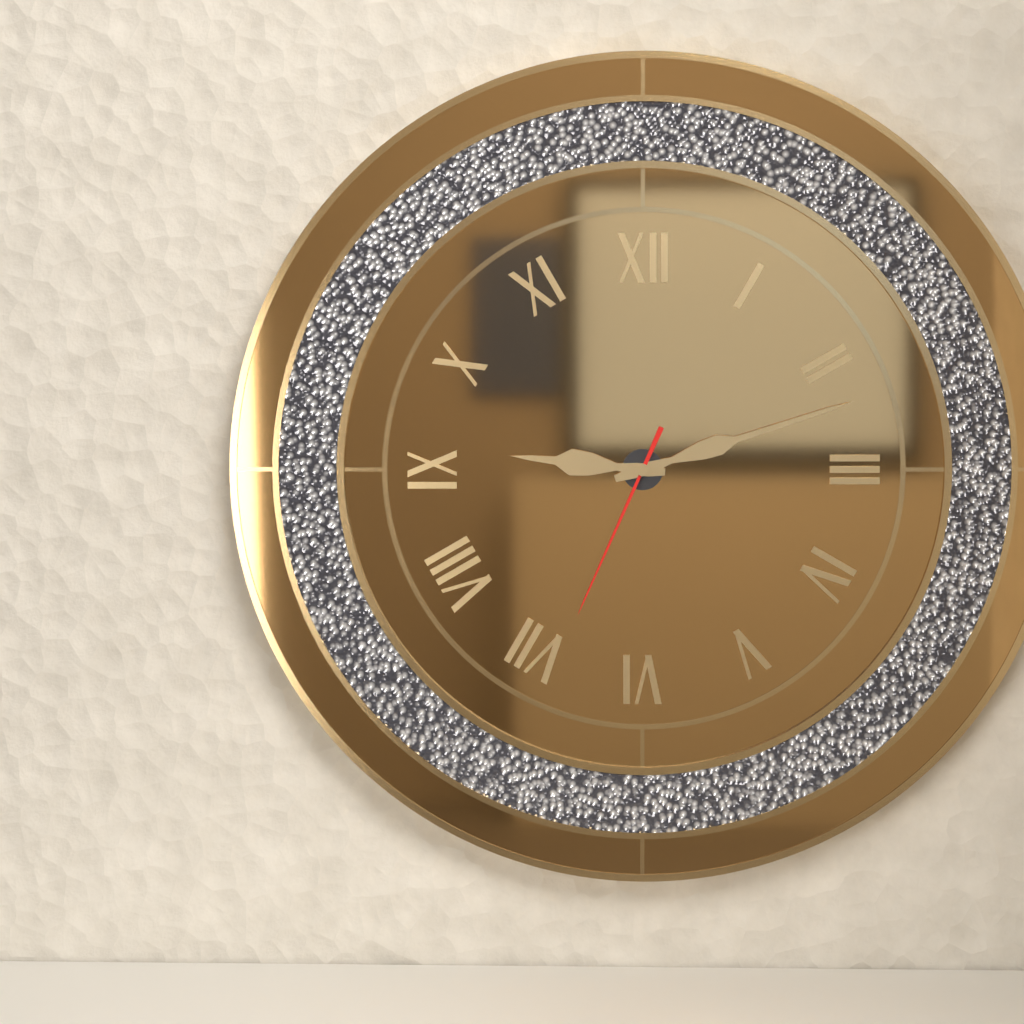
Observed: 9 h 12 min 34 s
